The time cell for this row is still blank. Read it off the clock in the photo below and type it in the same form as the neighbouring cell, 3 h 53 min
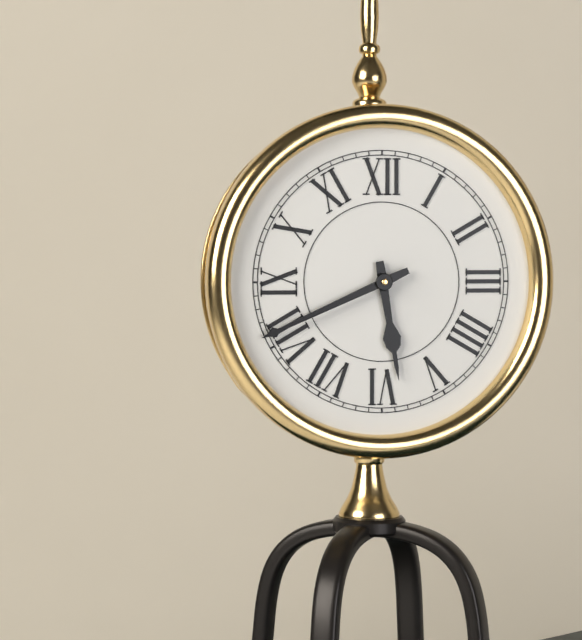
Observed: 5 h 41 min
